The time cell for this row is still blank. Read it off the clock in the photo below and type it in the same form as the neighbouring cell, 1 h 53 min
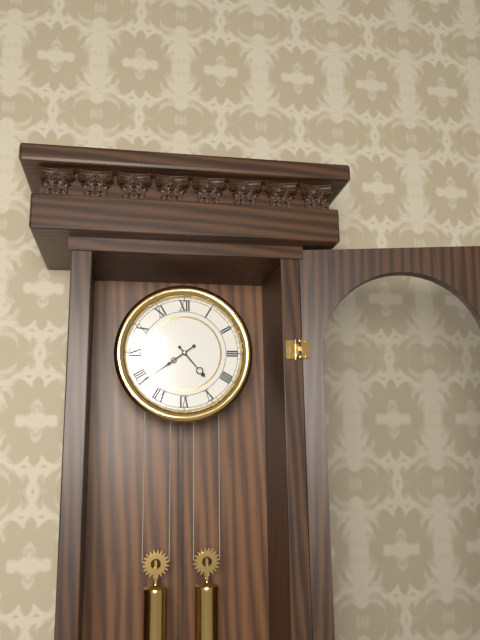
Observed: 4 h 39 min
